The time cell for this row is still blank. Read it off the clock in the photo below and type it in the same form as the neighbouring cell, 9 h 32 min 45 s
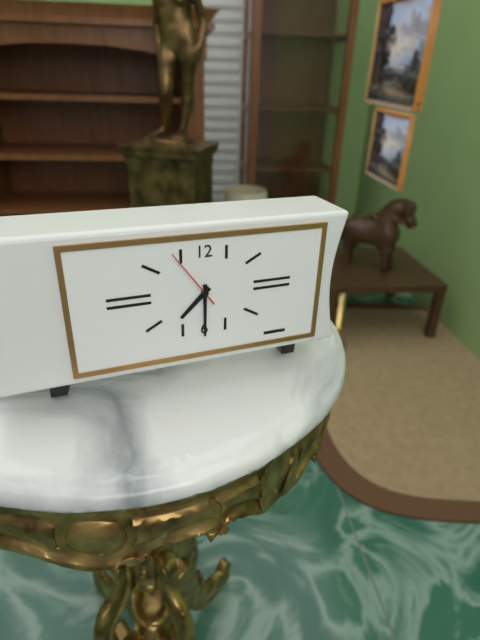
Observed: 7 h 30 min 54 s
